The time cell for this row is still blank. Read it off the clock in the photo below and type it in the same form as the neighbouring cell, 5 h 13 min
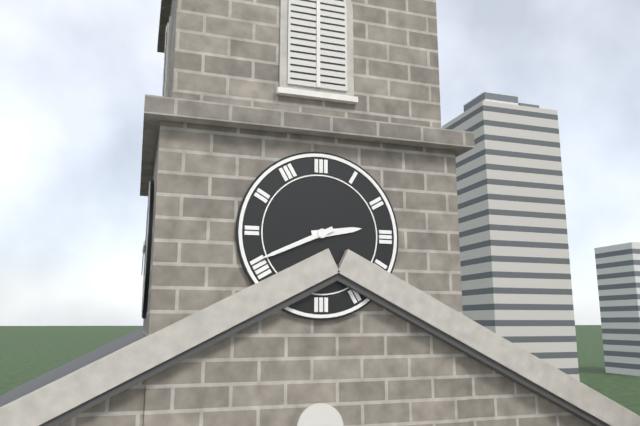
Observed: 2 h 41 min
